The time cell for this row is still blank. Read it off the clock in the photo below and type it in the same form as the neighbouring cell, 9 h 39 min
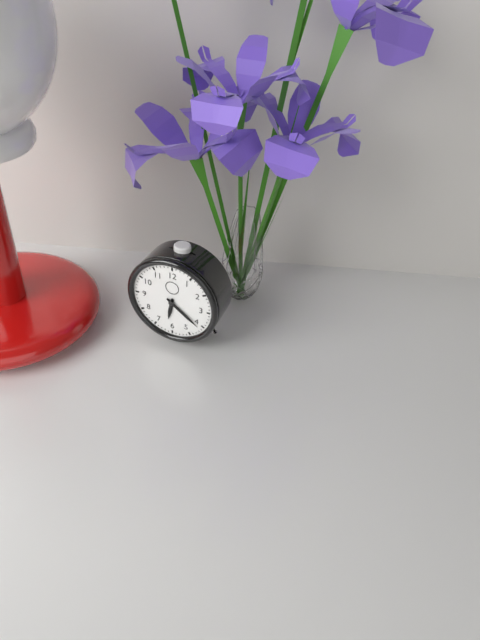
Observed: 6 h 21 min
